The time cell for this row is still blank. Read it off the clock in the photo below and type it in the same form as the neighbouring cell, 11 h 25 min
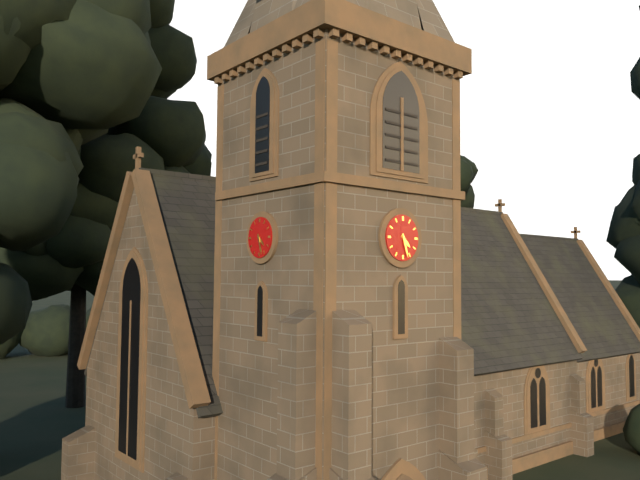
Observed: 4 h 27 min
